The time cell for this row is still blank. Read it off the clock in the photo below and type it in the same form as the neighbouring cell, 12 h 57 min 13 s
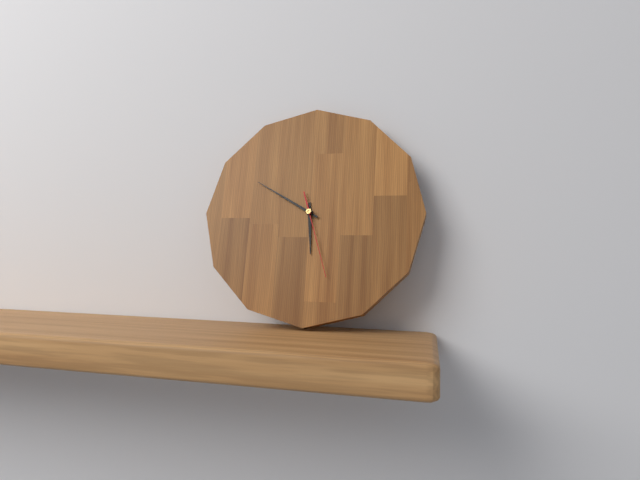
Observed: 5 h 50 min 27 s
